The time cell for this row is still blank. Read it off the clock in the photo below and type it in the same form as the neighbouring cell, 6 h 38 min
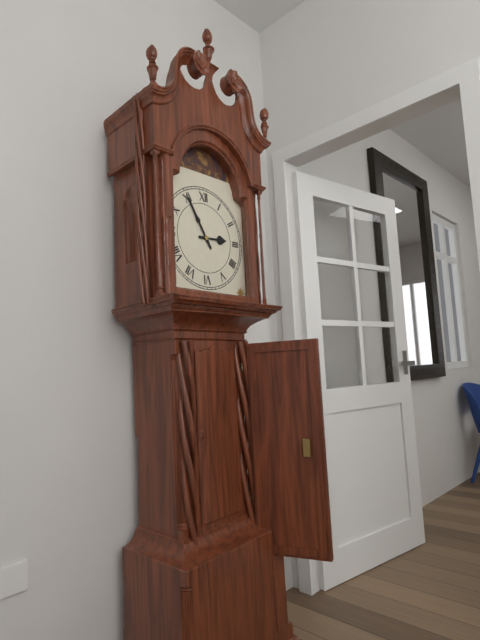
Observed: 2 h 55 min
